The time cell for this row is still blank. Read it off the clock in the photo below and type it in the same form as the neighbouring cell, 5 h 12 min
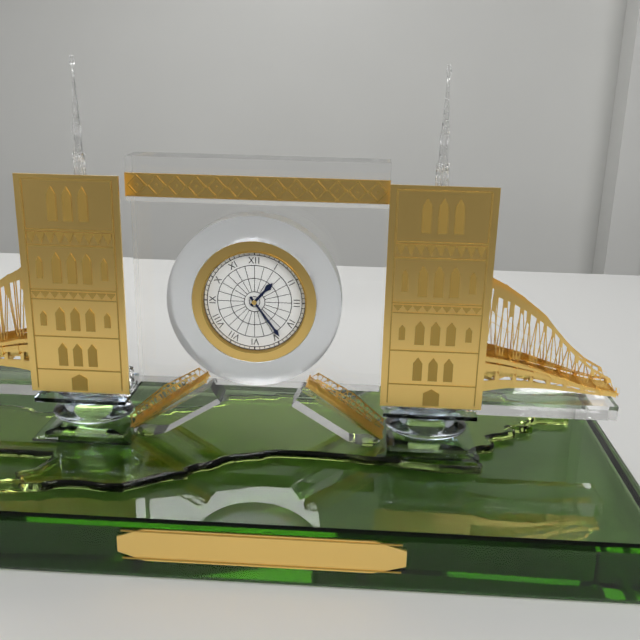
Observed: 1 h 24 min
